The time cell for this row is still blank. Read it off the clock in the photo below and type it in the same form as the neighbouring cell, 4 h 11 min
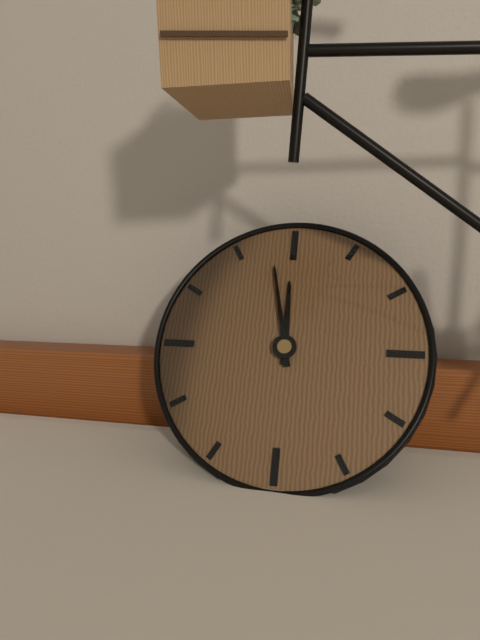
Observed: 11 h 58 min
